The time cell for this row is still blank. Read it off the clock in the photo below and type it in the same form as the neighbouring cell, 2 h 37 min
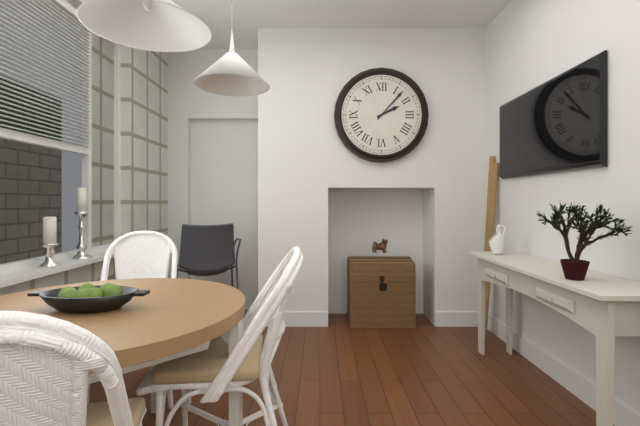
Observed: 2 h 07 min
